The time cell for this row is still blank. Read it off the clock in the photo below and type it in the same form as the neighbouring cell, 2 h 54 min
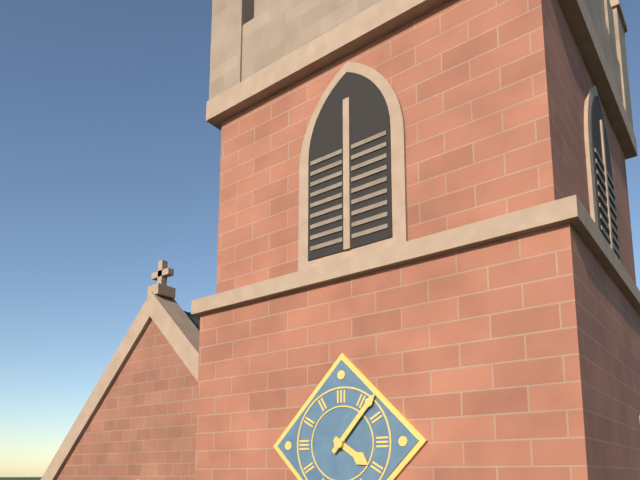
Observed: 4 h 07 min
